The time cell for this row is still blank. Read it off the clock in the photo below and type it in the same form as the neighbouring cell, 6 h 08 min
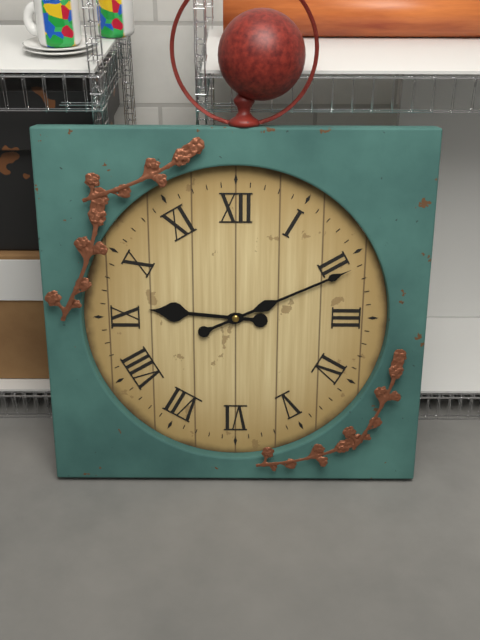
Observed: 9 h 11 min
